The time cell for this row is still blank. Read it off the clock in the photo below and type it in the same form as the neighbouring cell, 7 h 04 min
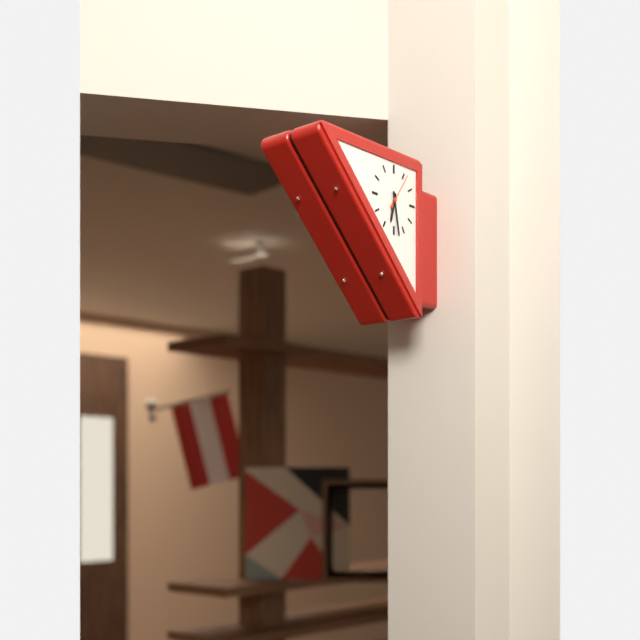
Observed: 6 h 28 min
